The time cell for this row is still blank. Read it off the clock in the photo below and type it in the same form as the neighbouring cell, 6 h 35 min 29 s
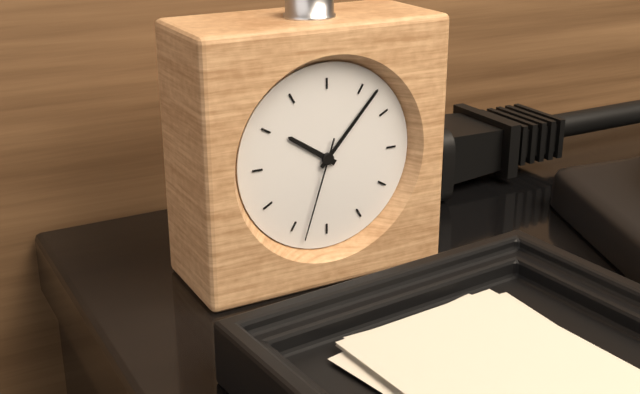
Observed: 10 h 07 min 33 s
